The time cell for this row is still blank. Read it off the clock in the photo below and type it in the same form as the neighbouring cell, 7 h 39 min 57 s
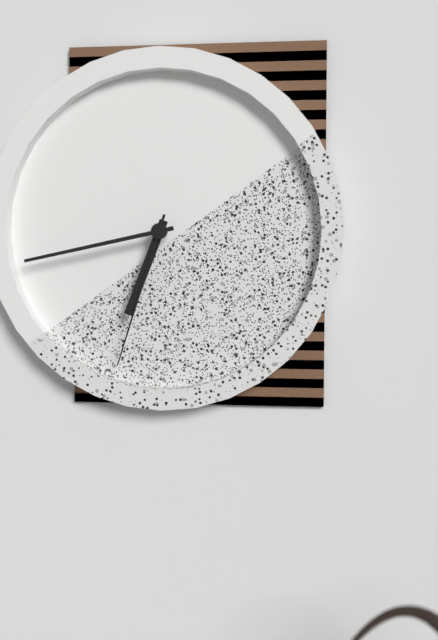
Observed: 6 h 43 min 33 s
